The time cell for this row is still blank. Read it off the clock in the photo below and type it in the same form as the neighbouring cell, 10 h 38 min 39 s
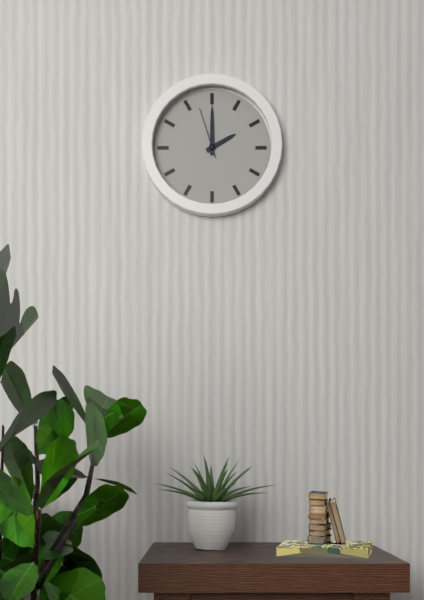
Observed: 2 h 00 min 57 s
